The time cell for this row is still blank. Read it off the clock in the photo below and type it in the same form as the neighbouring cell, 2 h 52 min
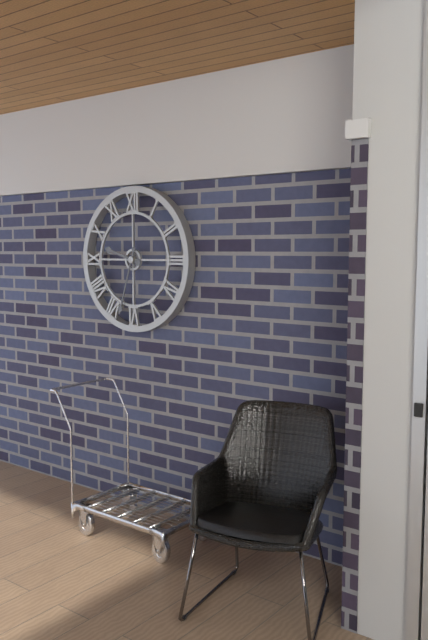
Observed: 9 h 33 min
